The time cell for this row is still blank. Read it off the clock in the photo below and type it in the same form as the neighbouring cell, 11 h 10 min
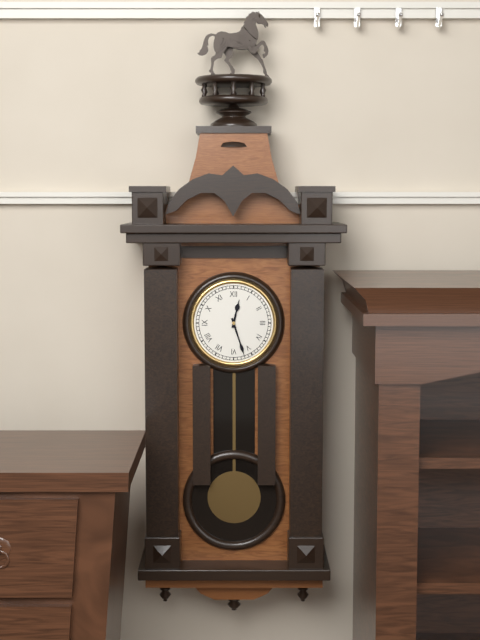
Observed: 12 h 27 min
